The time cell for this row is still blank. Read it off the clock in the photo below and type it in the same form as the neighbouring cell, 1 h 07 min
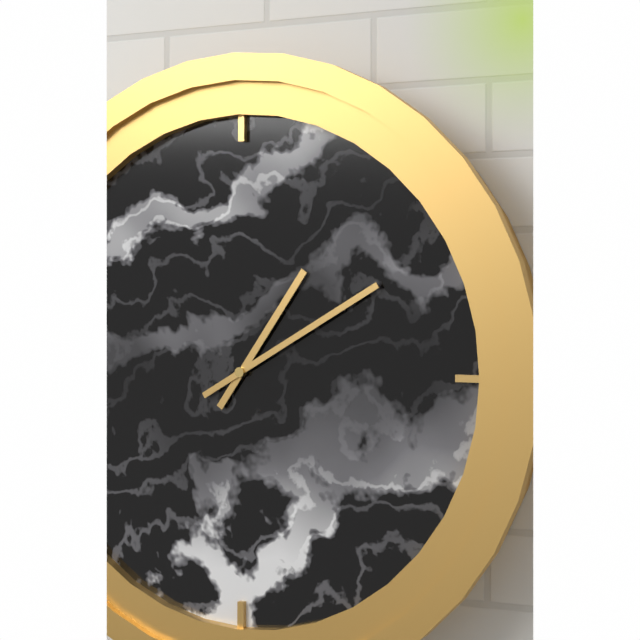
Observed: 1 h 10 min
